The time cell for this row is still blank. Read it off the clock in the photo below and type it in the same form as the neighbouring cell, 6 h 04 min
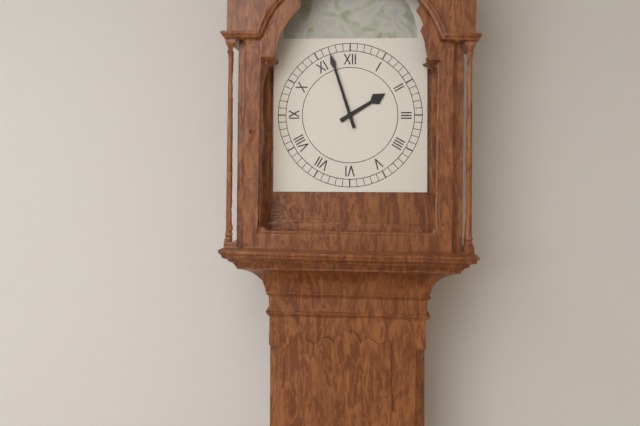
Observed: 1 h 57 min
